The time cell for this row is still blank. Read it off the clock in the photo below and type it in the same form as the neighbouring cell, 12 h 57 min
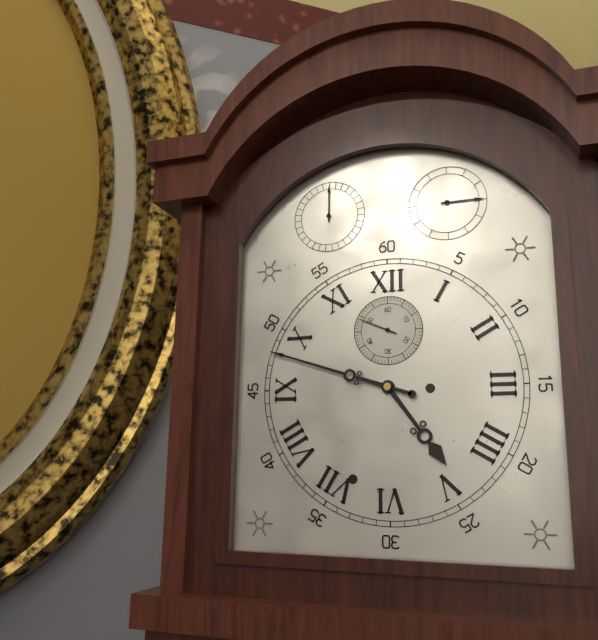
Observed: 4 h 48 min
